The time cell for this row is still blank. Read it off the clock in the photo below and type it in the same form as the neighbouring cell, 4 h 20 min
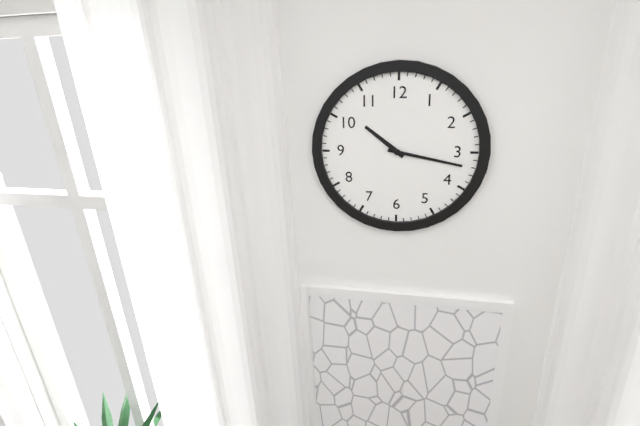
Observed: 10 h 17 min
